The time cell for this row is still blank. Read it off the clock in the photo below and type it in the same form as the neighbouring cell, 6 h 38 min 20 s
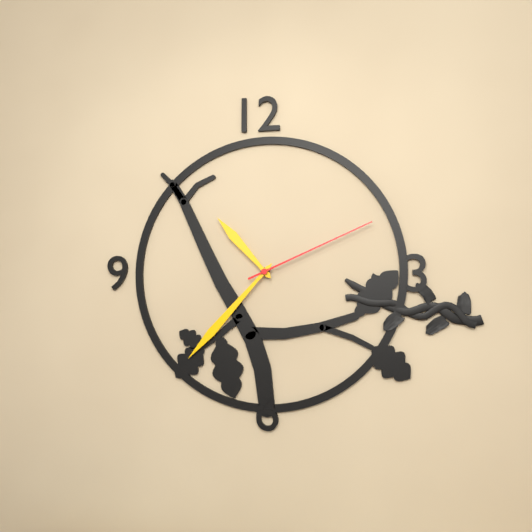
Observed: 10 h 37 min 11 s
